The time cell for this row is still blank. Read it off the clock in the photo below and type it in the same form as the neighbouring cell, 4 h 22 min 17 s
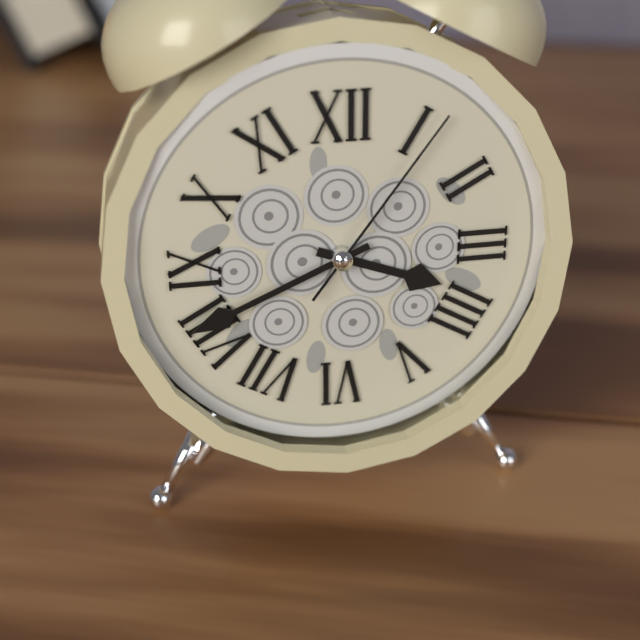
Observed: 3 h 41 min 06 s
